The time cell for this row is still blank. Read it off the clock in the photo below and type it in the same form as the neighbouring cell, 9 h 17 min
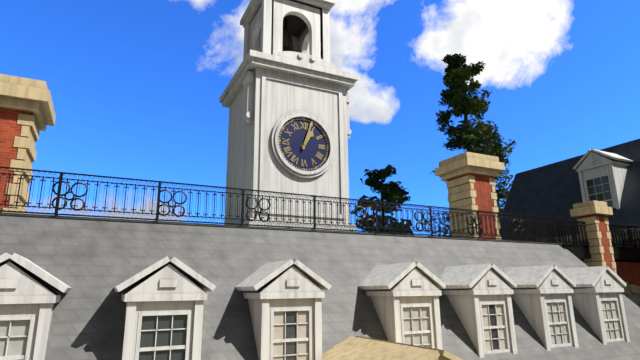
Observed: 1 h 03 min
